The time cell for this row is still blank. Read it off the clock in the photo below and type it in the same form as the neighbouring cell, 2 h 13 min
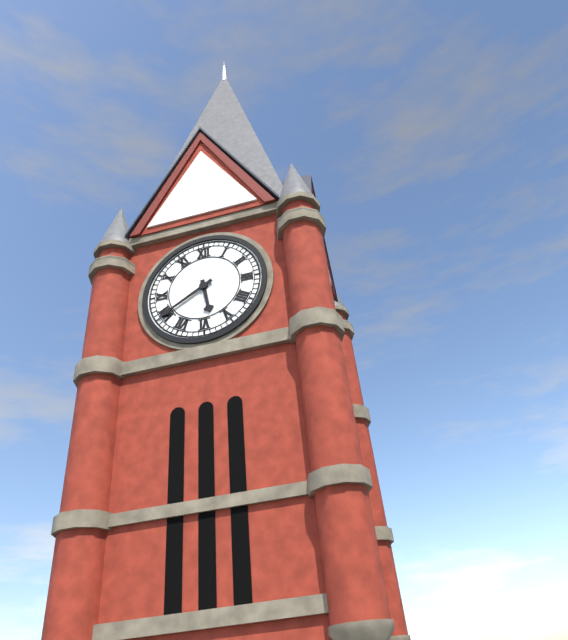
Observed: 5 h 40 min
